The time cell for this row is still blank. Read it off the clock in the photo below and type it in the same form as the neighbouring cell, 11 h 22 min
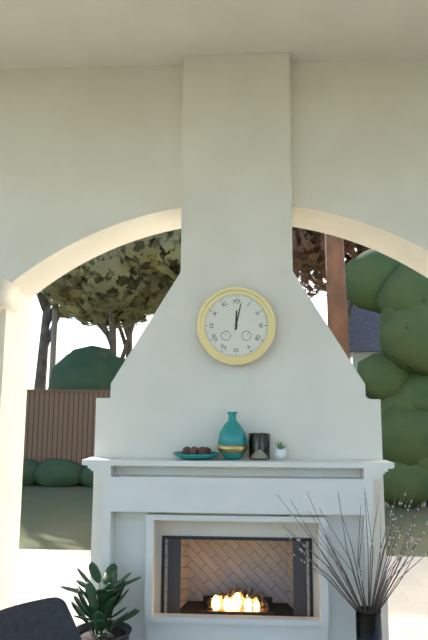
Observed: 12 h 02 min
